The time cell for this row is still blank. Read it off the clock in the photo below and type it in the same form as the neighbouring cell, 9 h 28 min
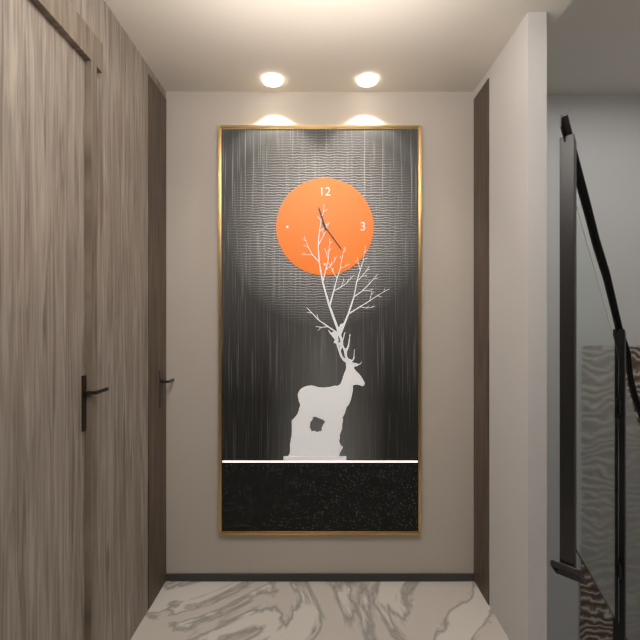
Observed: 11 h 24 min
